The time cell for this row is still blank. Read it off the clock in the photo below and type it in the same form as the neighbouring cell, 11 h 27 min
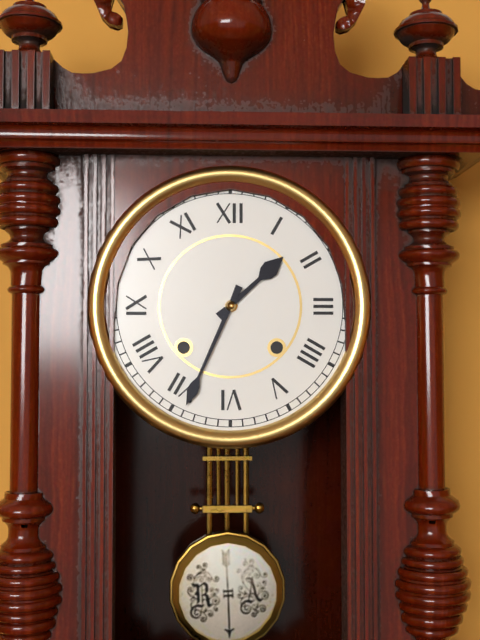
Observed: 1 h 34 min
